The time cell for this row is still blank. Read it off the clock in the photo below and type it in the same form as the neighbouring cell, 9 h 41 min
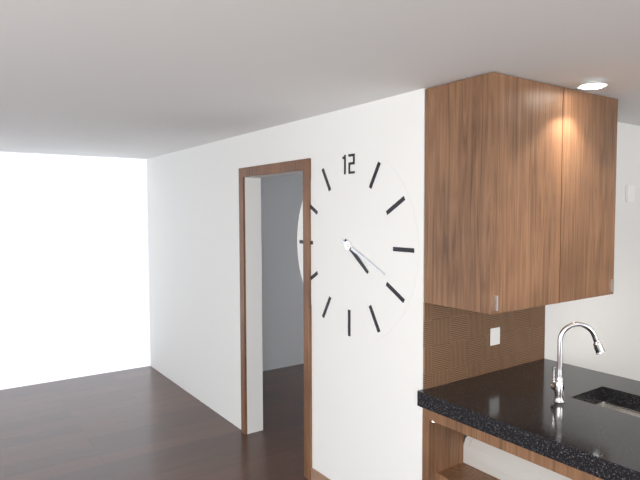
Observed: 4 h 19 min
